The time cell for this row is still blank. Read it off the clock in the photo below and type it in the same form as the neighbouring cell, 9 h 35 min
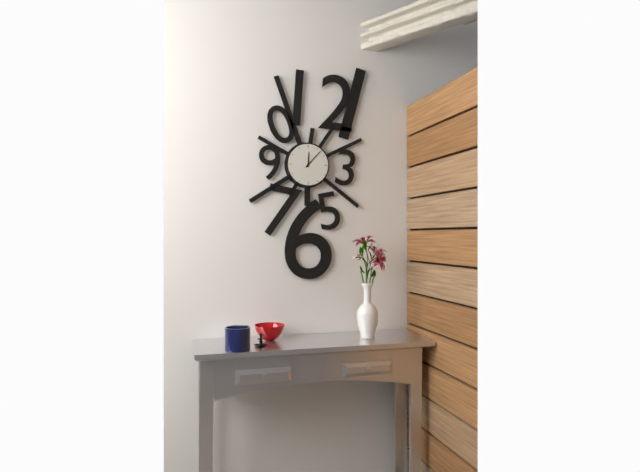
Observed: 12 h 07 min
